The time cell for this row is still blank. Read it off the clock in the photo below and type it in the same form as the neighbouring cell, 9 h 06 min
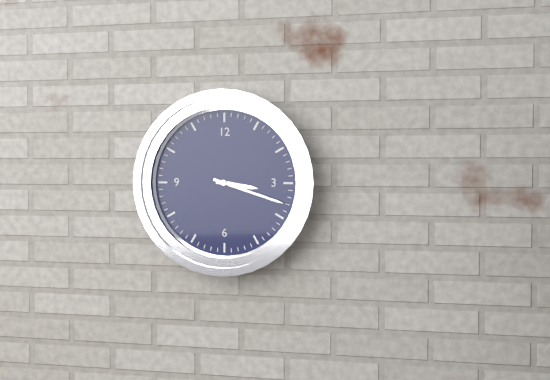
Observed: 3 h 18 min
